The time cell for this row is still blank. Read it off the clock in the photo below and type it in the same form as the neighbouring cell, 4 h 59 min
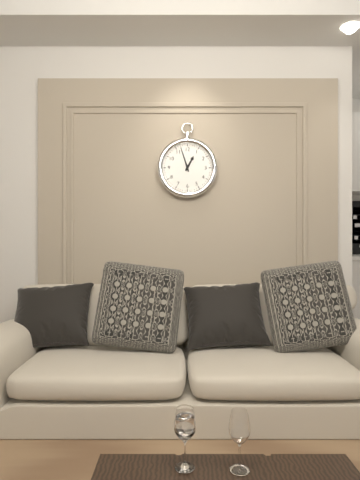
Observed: 12 h 57 min
